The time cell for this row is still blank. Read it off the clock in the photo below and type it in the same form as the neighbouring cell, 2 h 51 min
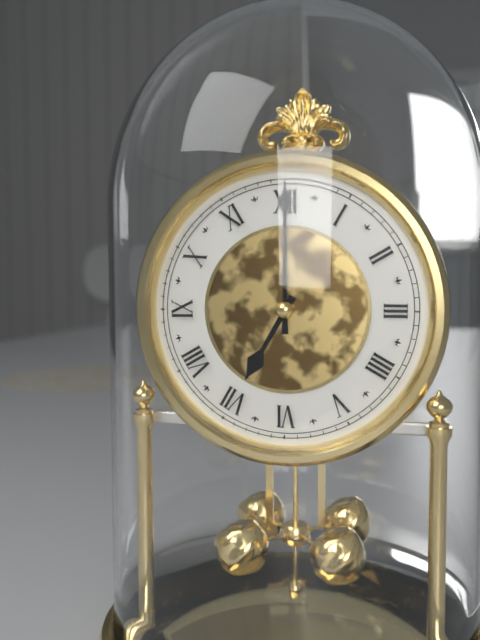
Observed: 7 h 00 min
